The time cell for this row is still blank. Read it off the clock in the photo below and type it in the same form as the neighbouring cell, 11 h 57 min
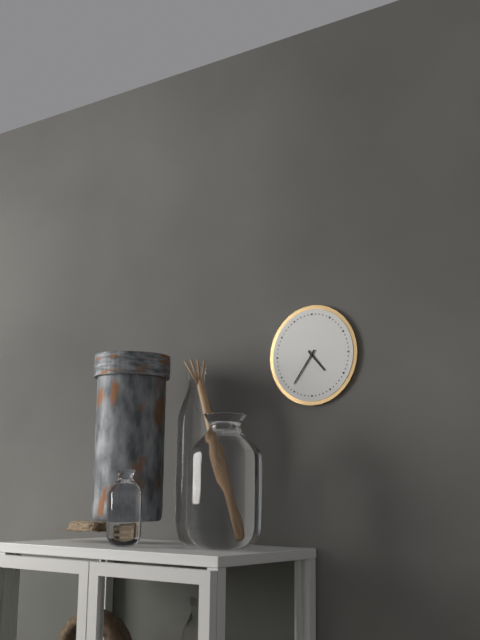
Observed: 4 h 36 min
